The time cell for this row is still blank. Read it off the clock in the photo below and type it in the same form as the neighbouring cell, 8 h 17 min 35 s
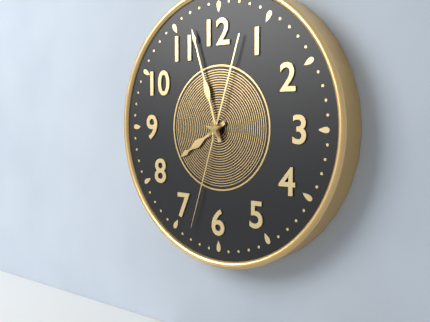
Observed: 7 h 57 min 33 s
